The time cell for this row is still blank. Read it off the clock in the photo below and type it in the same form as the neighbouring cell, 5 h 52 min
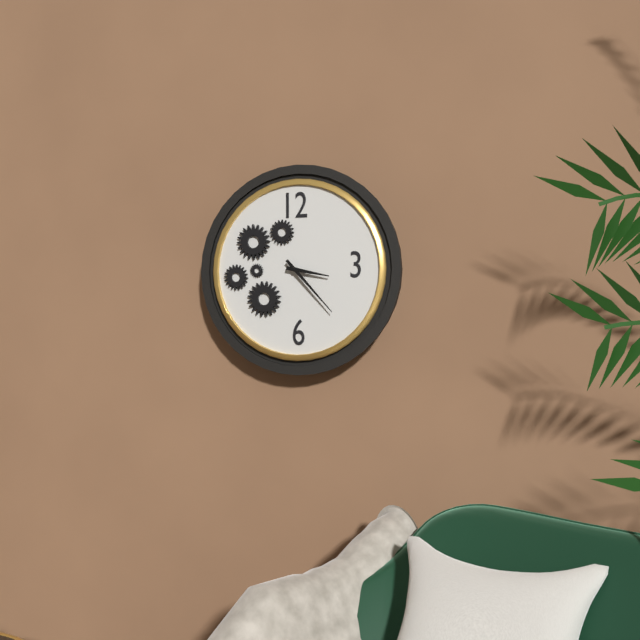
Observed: 3 h 23 min
